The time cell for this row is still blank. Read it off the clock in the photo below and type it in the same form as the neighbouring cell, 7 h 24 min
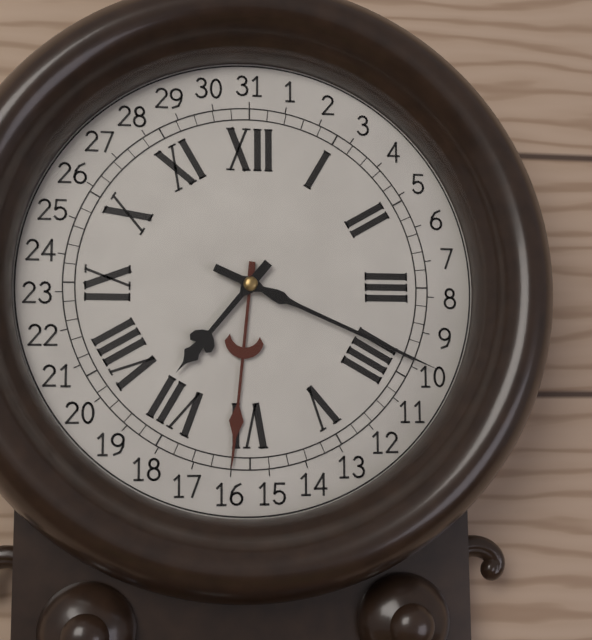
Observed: 7 h 19 min
